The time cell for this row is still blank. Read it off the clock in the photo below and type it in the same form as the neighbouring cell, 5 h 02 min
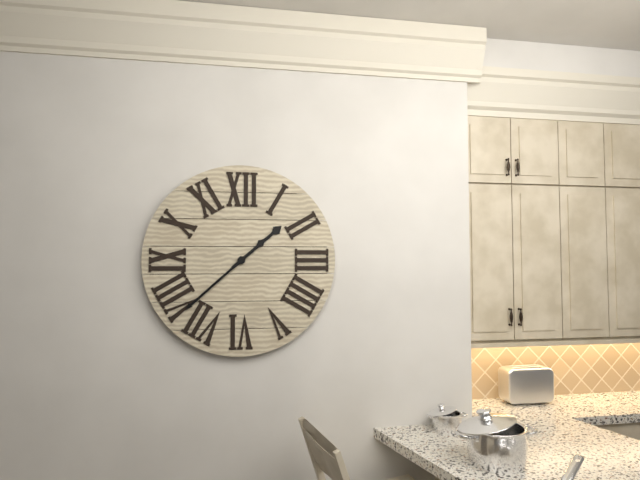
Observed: 1 h 38 min
